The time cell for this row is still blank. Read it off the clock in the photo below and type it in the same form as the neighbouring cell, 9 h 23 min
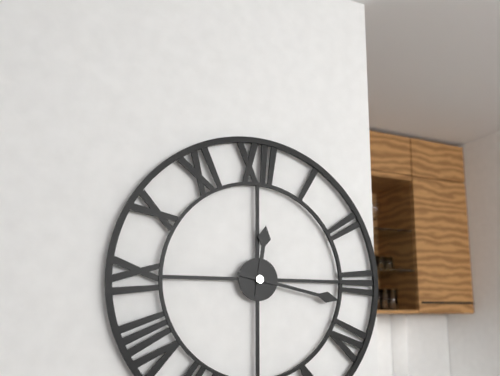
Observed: 12 h 17 min
